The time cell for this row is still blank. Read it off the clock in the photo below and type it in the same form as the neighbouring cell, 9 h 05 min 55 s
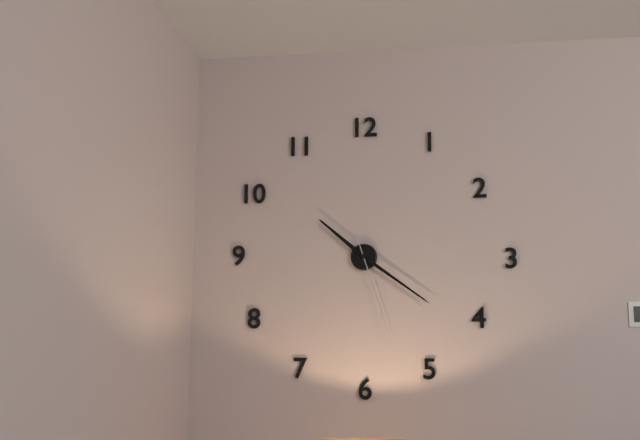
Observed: 10 h 21 min 27 s
